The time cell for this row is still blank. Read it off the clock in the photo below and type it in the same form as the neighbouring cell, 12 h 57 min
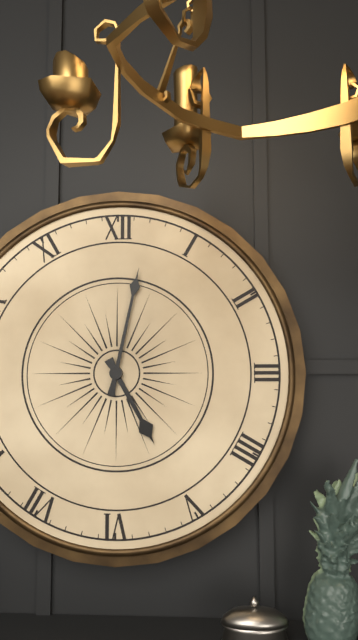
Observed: 5 h 02 min
